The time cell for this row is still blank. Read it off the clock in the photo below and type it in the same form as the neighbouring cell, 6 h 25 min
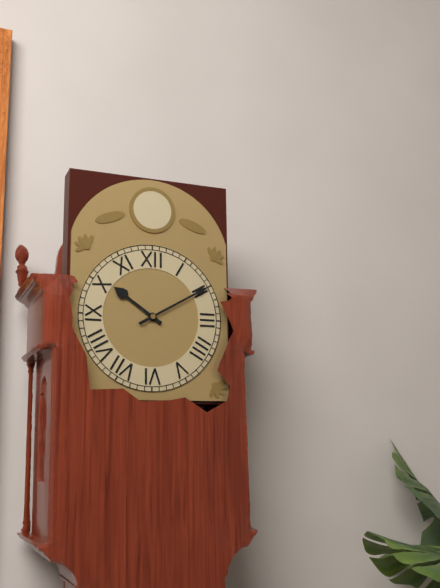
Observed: 10 h 10 min
